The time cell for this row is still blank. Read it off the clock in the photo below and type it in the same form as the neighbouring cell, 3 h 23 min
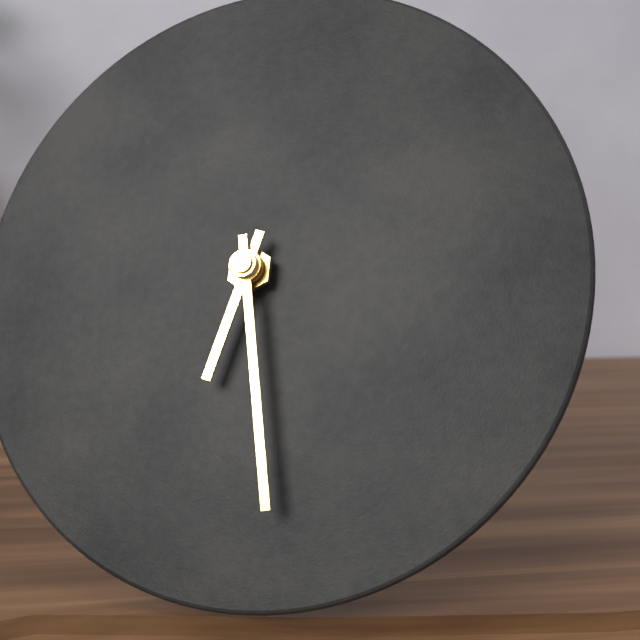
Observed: 6 h 28 min
